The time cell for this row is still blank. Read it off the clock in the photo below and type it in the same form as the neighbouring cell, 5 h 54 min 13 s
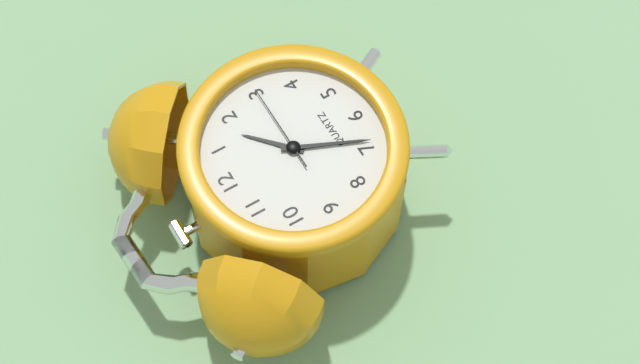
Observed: 1 h 34 min 15 s
